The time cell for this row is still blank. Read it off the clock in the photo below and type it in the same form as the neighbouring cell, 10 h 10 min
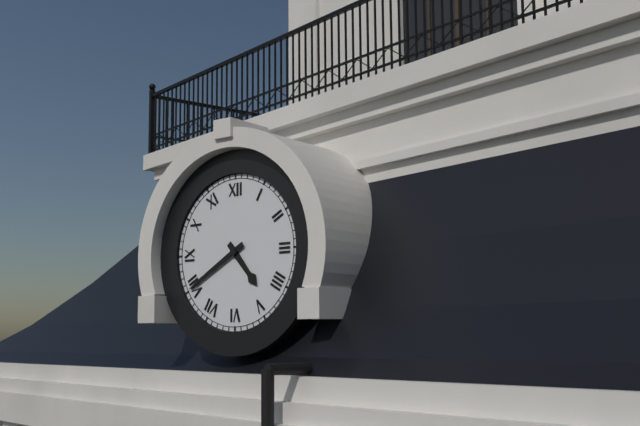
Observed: 4 h 40 min
